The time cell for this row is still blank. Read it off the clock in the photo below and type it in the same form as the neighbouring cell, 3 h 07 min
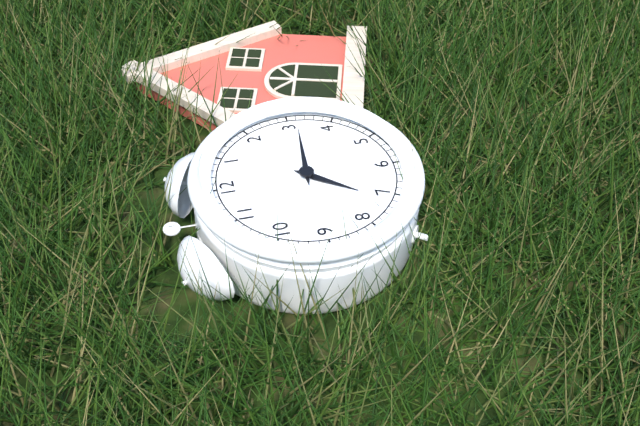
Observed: 7 h 16 min
